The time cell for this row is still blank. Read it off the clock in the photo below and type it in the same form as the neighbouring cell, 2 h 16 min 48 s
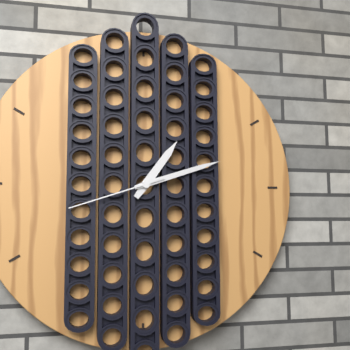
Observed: 1 h 12 min 42 s
